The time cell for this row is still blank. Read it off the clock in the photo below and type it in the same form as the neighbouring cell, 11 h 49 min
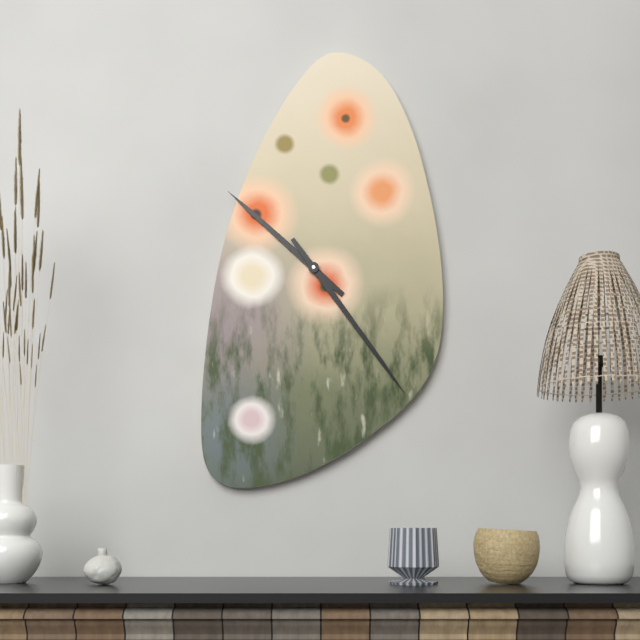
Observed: 10 h 24 min
